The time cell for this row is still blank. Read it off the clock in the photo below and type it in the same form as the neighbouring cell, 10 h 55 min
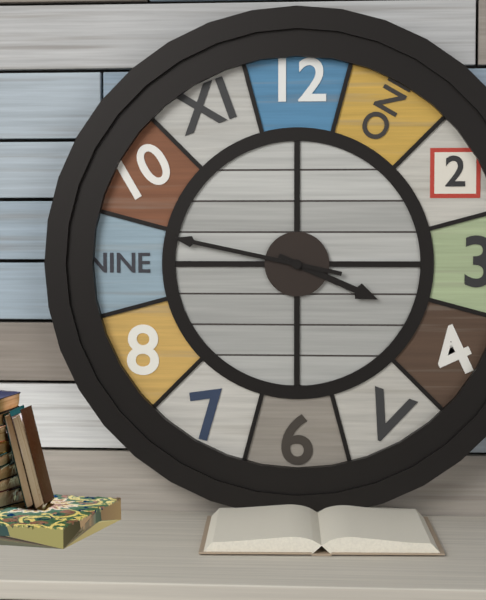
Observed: 3 h 47 min
